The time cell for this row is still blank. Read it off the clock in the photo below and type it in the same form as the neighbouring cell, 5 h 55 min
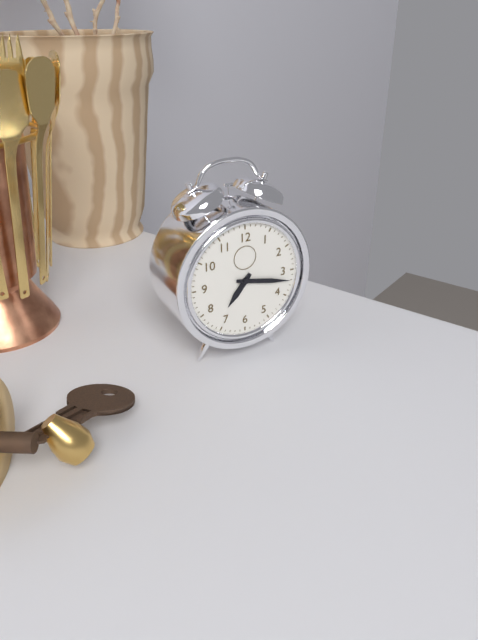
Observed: 7 h 17 min
